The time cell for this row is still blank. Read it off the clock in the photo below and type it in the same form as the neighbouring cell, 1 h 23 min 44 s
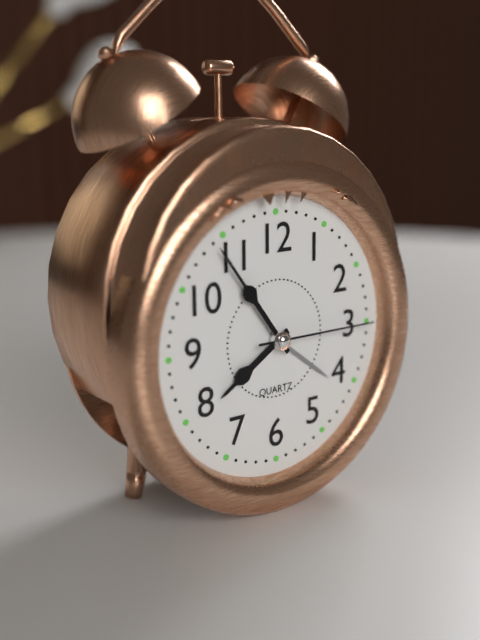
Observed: 7 h 54 min 15 s
